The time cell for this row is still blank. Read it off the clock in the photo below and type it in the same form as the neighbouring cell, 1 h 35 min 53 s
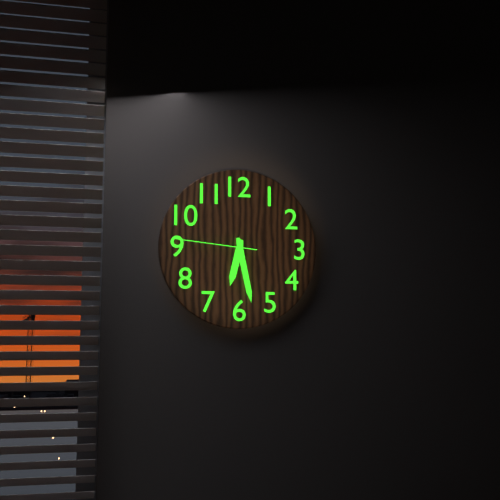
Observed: 6 h 28 min 46 s
